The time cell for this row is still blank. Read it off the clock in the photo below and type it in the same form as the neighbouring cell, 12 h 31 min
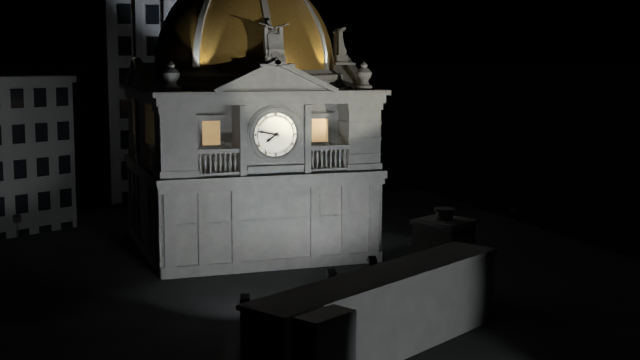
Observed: 7 h 47 min
